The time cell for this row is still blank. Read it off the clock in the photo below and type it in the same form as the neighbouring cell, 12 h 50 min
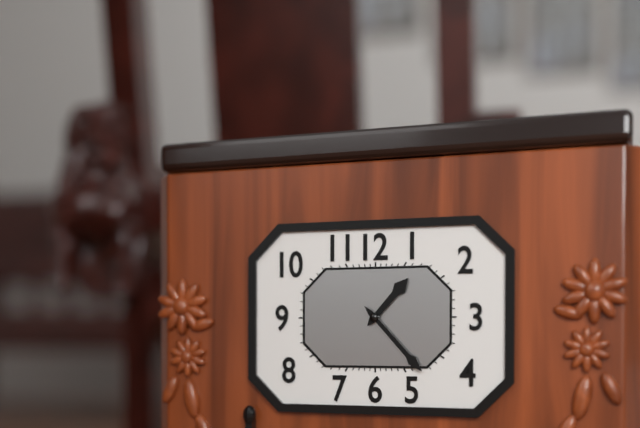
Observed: 1 h 23 min
